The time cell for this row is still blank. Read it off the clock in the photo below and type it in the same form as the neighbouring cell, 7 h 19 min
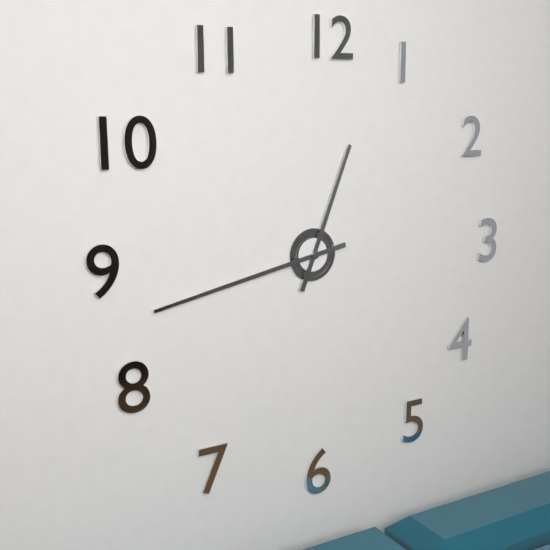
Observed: 12 h 43 min
